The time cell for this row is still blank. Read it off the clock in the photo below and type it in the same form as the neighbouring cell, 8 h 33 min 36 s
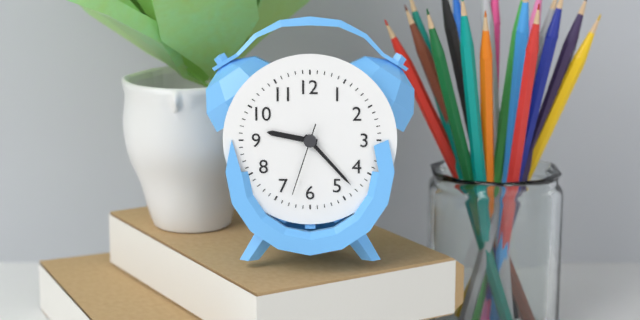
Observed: 9 h 23 min 33 s
